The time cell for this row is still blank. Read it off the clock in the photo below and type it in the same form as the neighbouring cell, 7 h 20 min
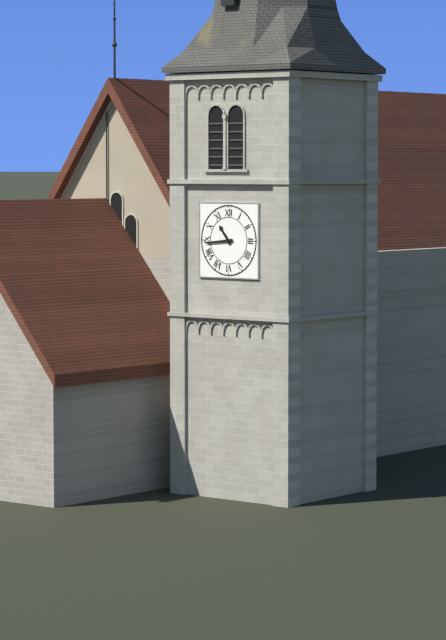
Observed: 10 h 44 min
